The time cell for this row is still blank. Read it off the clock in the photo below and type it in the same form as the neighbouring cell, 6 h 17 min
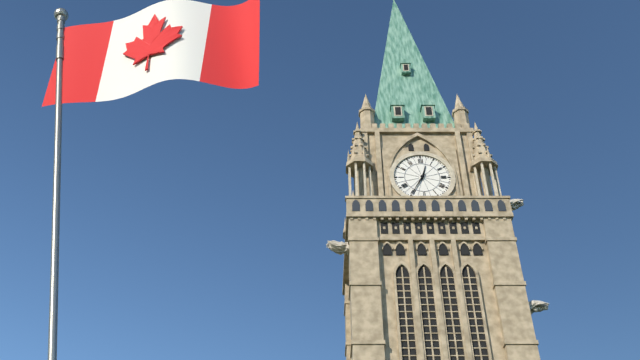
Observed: 12 h 35 min
